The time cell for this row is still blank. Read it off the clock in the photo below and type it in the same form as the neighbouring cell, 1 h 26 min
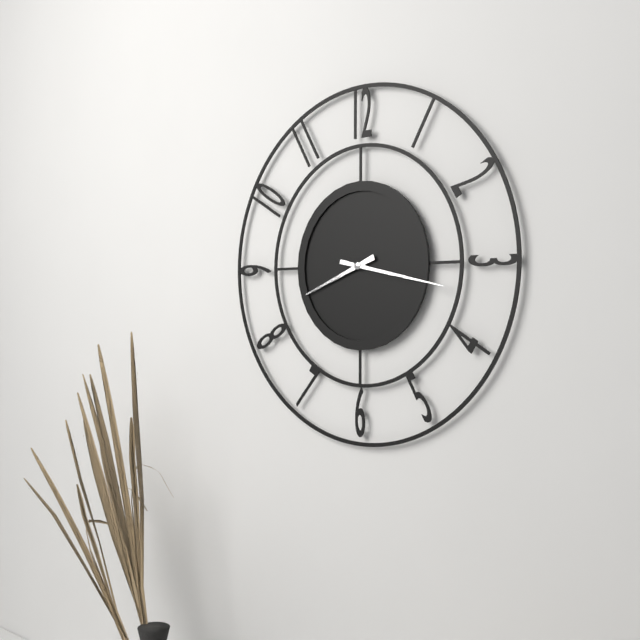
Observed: 8 h 17 min
